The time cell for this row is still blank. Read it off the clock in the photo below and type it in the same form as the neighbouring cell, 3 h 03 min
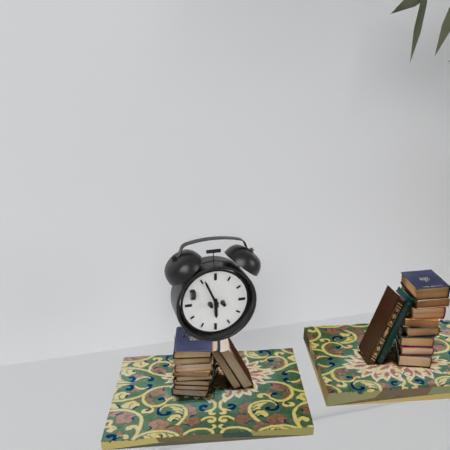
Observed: 5 h 56 min
